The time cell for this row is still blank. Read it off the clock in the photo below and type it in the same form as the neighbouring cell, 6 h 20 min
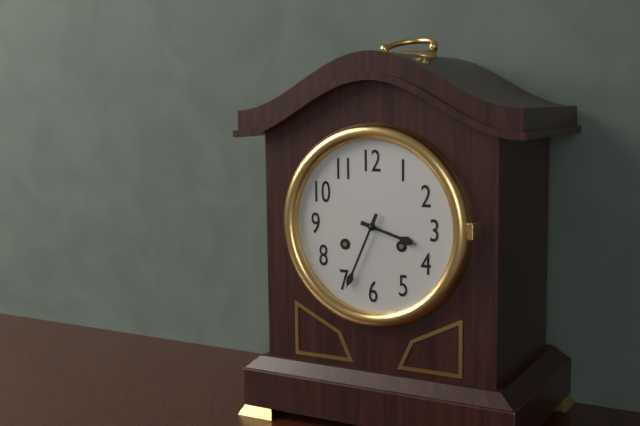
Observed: 3 h 34 min
